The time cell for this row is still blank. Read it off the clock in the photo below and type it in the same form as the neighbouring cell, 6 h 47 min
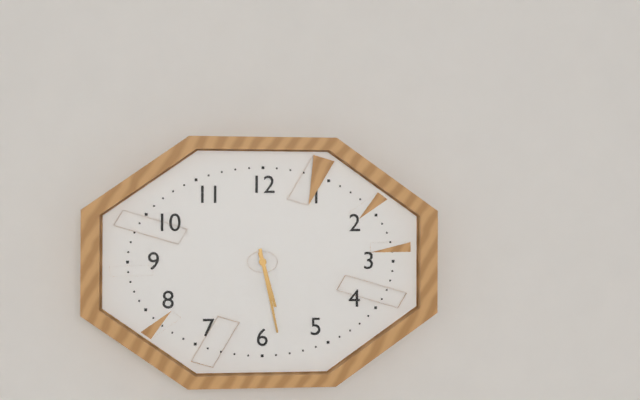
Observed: 5 h 28 min
